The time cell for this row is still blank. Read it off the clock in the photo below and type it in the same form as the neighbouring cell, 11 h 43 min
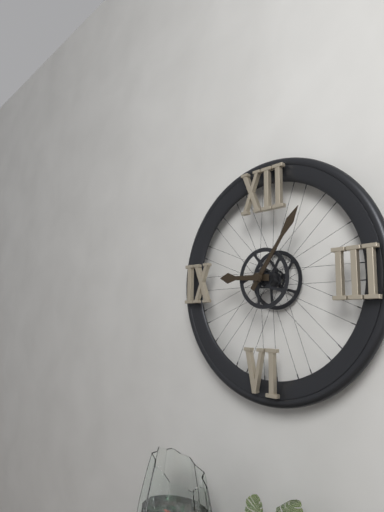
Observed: 9 h 06 min
